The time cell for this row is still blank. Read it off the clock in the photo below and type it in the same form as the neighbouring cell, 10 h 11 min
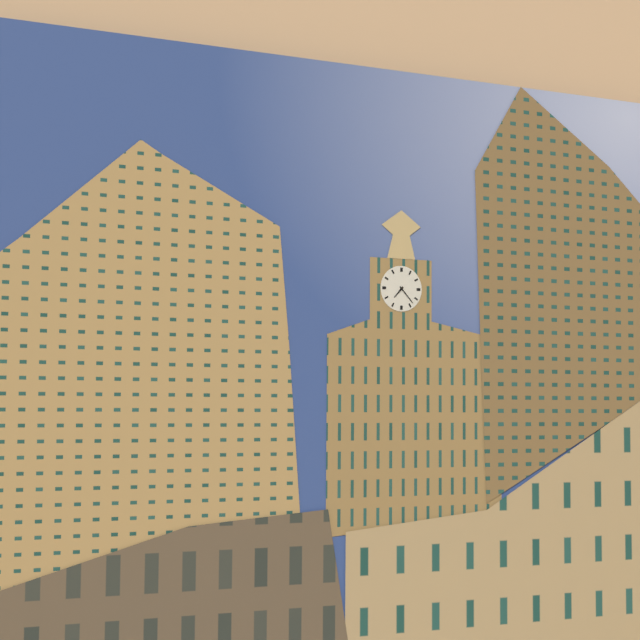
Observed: 7 h 23 min
